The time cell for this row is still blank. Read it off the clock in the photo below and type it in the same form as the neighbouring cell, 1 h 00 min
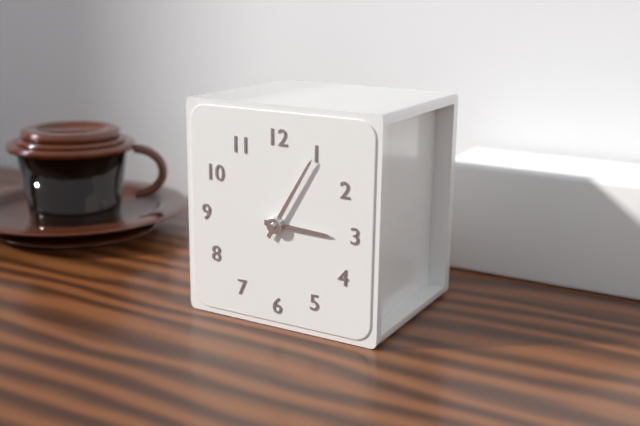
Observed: 3 h 05 min
